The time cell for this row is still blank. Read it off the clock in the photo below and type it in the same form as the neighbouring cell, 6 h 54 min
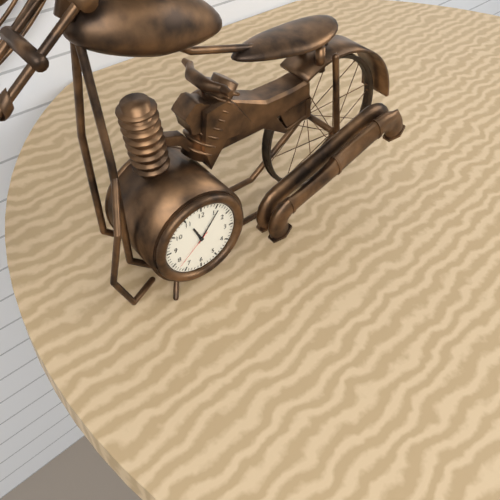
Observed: 11 h 06 min
